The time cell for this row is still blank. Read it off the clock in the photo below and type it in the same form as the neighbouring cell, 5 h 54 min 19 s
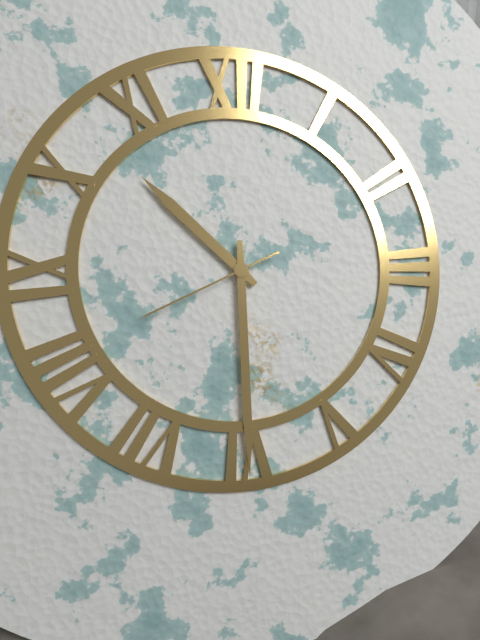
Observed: 10 h 30 min 41 s
